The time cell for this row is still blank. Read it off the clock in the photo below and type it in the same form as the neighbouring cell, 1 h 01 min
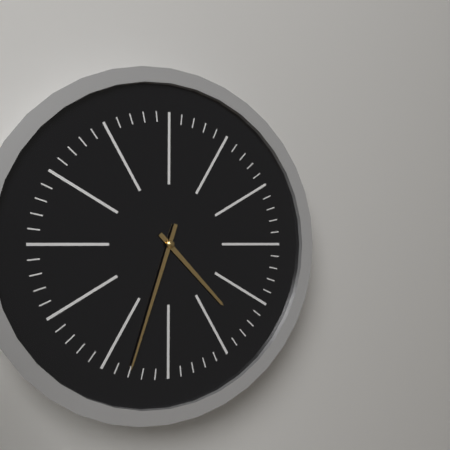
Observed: 4 h 33 min
